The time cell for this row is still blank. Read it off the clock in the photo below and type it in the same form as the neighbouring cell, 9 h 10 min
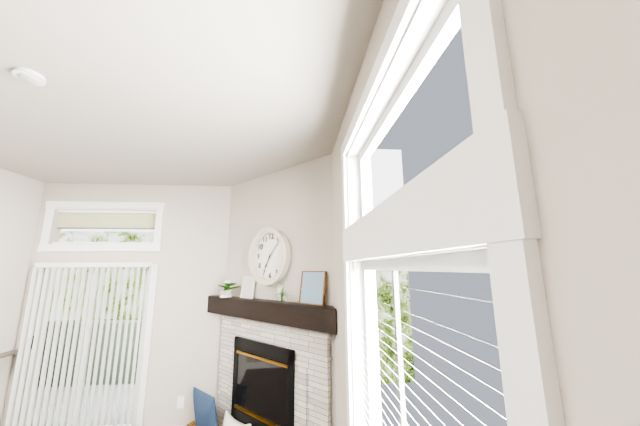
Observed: 7 h 07 min
